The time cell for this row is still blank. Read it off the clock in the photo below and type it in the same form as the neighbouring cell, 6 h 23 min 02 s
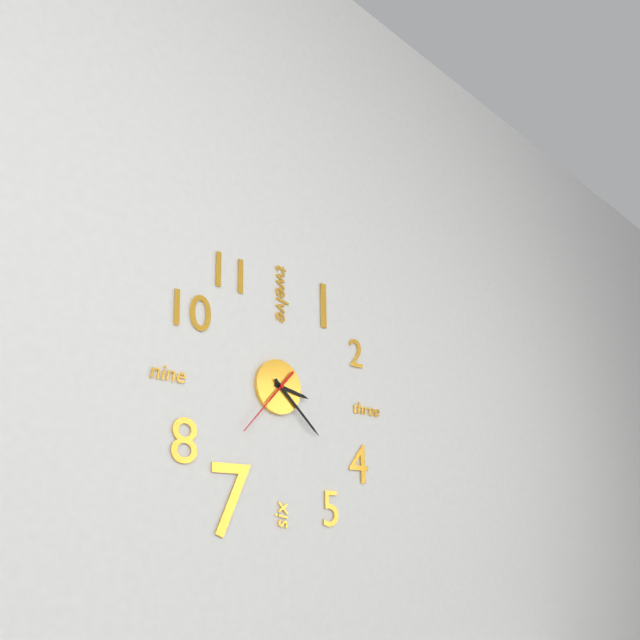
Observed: 3 h 22 min 37 s
